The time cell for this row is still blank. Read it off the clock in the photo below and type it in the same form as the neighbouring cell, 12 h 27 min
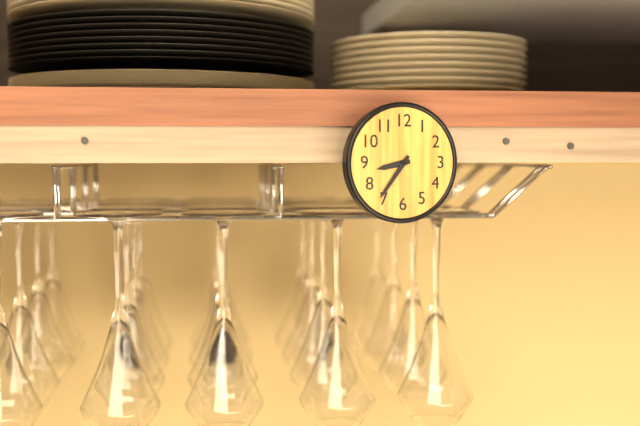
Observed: 8 h 36 min
